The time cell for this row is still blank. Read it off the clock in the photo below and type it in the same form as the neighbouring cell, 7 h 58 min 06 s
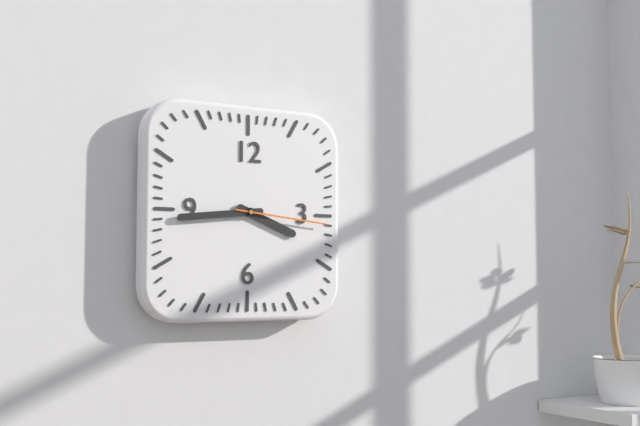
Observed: 3 h 44 min 16 s
